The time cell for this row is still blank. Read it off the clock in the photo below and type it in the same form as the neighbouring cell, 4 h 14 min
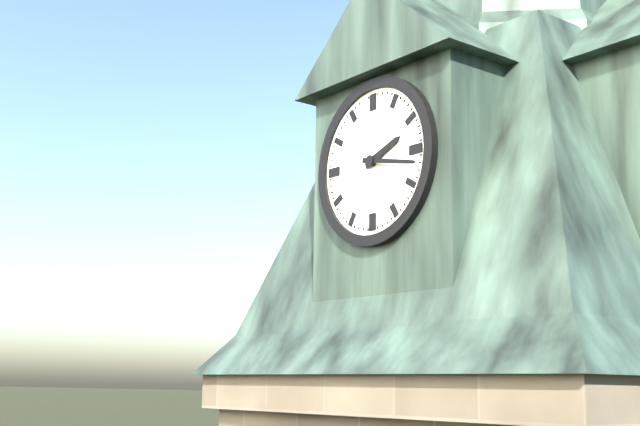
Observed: 2 h 17 min
